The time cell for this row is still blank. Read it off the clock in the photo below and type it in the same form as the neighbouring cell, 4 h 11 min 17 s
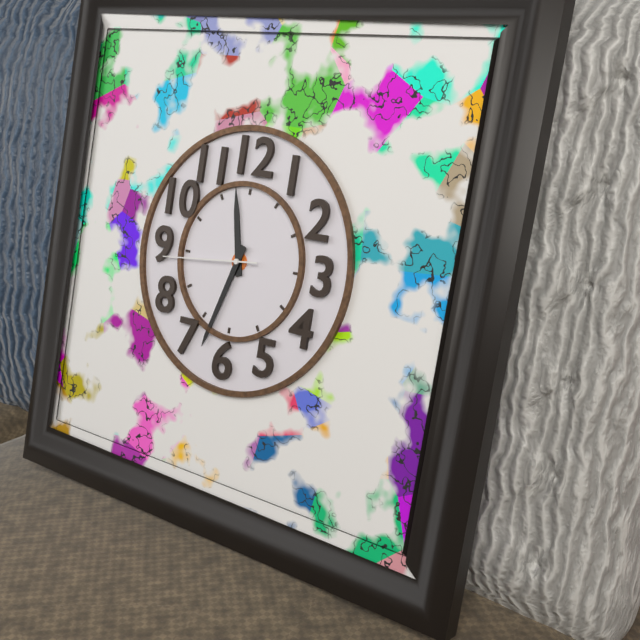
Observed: 11 h 33 min 44 s
